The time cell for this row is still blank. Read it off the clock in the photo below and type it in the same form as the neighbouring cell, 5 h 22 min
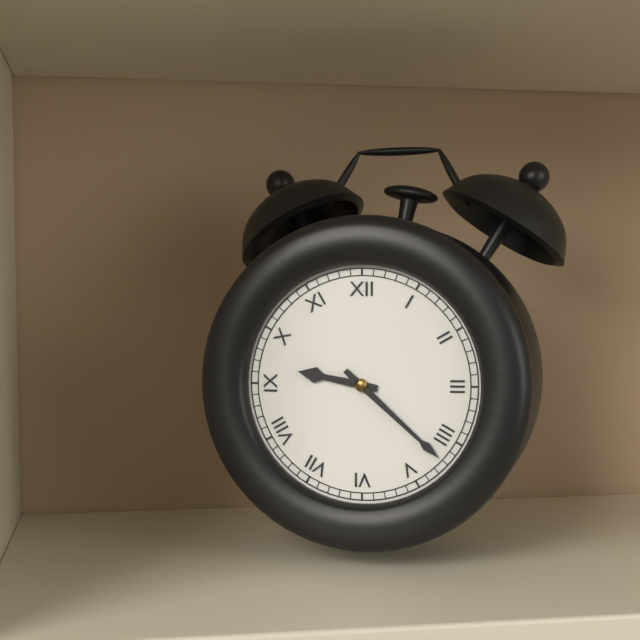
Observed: 9 h 22 min
